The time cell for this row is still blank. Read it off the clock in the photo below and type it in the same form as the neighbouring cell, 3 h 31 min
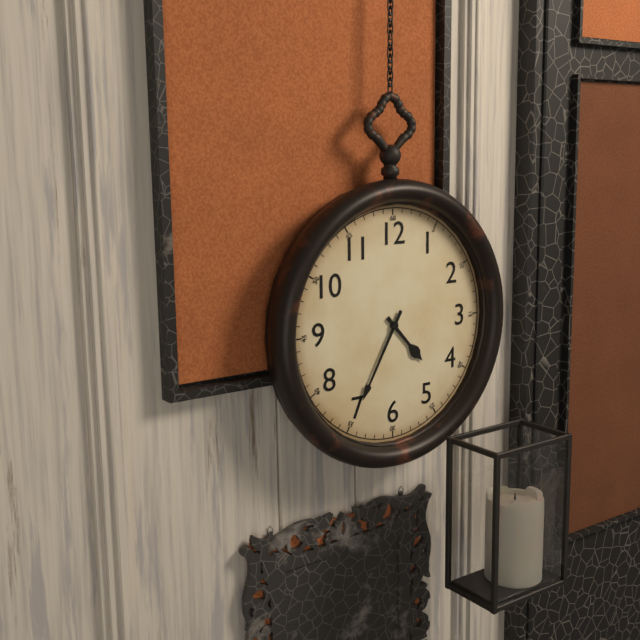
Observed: 4 h 35 min
